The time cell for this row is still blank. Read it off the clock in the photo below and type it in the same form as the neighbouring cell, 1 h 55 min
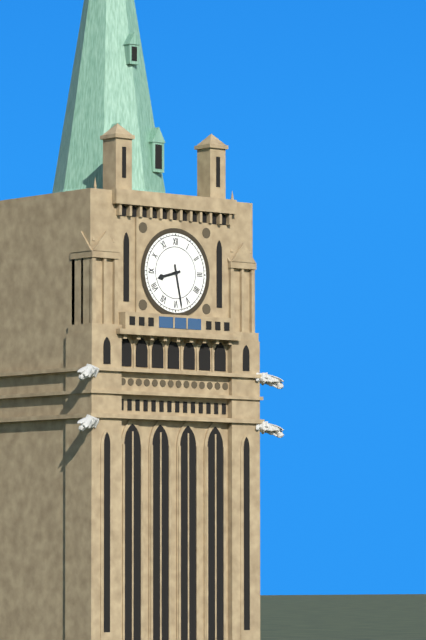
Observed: 8 h 28 min
